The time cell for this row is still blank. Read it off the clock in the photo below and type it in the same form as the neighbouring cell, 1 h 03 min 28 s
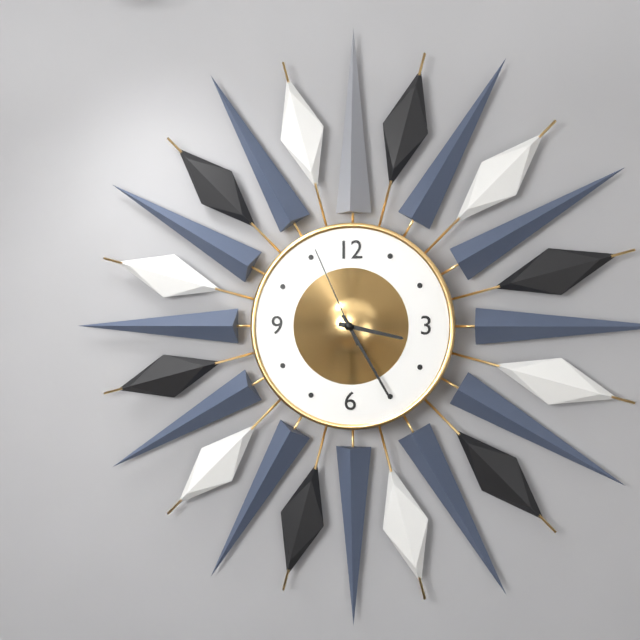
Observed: 3 h 25 min 56 s
